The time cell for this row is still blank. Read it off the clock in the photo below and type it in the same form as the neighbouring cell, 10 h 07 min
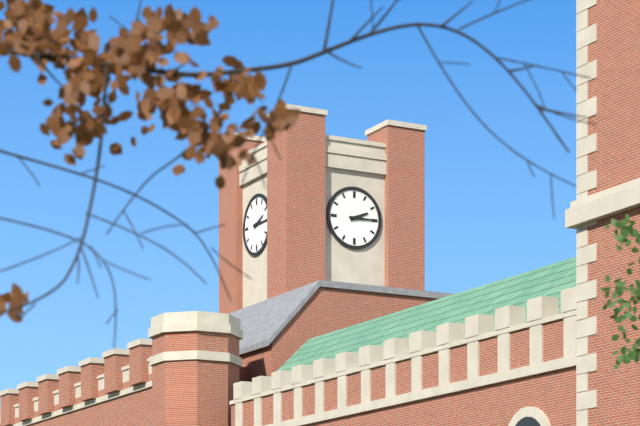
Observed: 2 h 15 min
